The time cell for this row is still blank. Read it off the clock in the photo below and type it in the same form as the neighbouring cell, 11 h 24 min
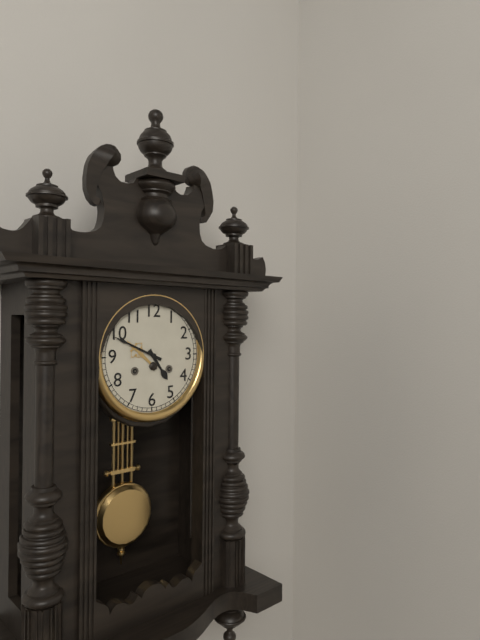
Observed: 4 h 49 min
